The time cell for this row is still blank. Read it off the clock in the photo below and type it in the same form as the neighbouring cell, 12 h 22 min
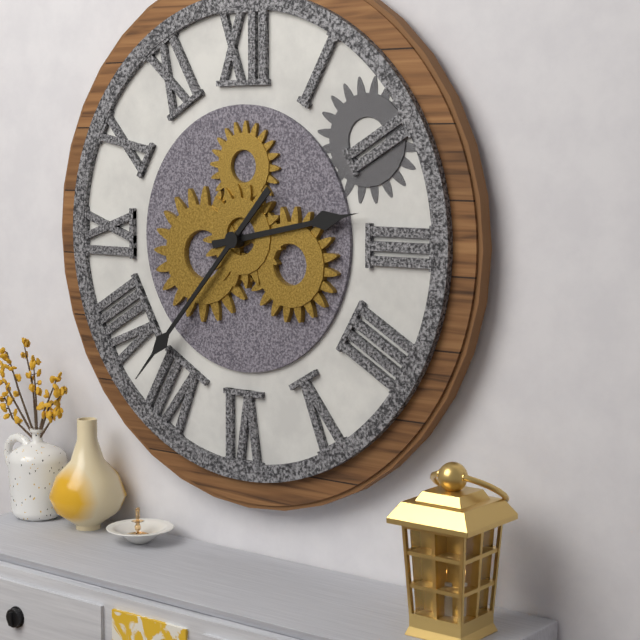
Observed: 2 h 37 min
